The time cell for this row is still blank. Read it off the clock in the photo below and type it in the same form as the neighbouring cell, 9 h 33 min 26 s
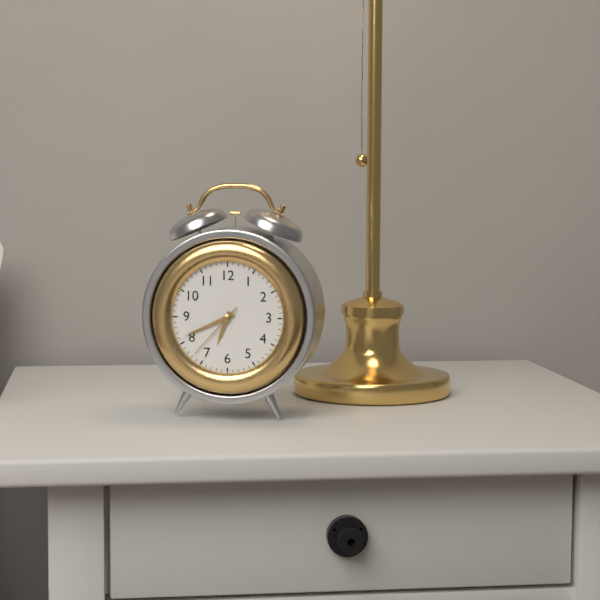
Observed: 6 h 41 min 37 s
